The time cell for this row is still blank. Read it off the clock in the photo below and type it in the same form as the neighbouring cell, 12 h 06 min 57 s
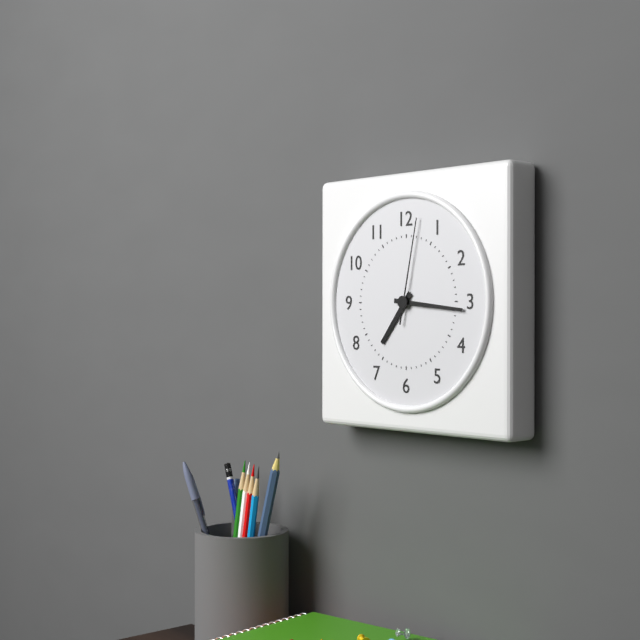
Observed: 7 h 16 min 02 s
